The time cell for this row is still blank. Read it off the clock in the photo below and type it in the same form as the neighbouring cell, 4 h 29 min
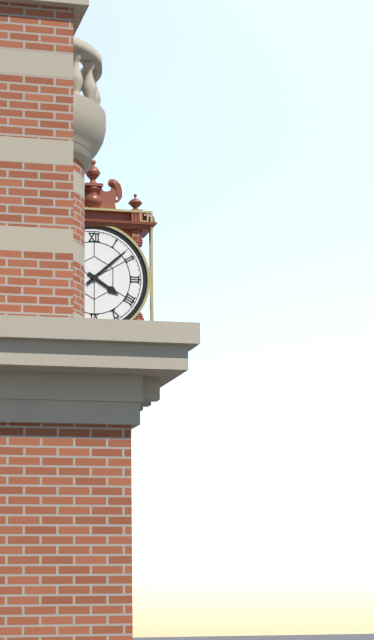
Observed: 4 h 08 min
